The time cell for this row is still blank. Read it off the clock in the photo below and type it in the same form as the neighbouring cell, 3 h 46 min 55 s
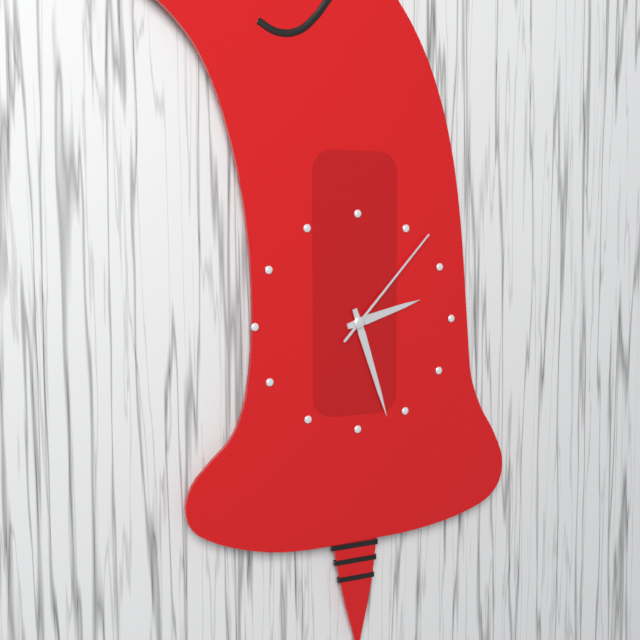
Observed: 2 h 27 min 07 s
